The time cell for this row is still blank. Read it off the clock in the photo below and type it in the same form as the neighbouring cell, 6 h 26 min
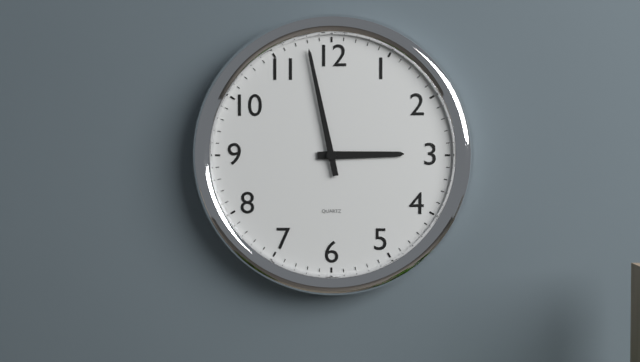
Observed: 2 h 58 min
